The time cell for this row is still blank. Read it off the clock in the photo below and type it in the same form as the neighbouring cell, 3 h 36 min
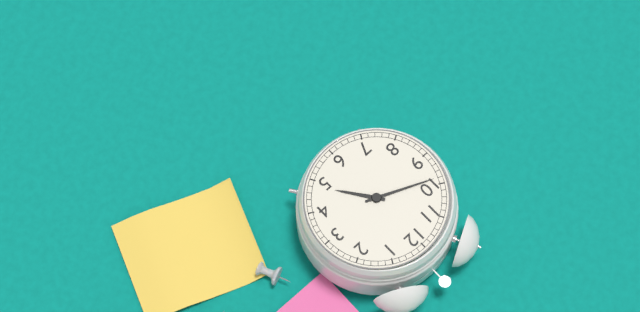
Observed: 4 h 49 min
